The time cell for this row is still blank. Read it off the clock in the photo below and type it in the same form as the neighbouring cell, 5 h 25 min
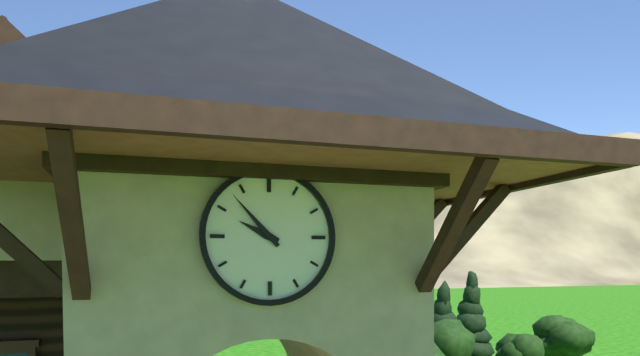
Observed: 9 h 53 min
